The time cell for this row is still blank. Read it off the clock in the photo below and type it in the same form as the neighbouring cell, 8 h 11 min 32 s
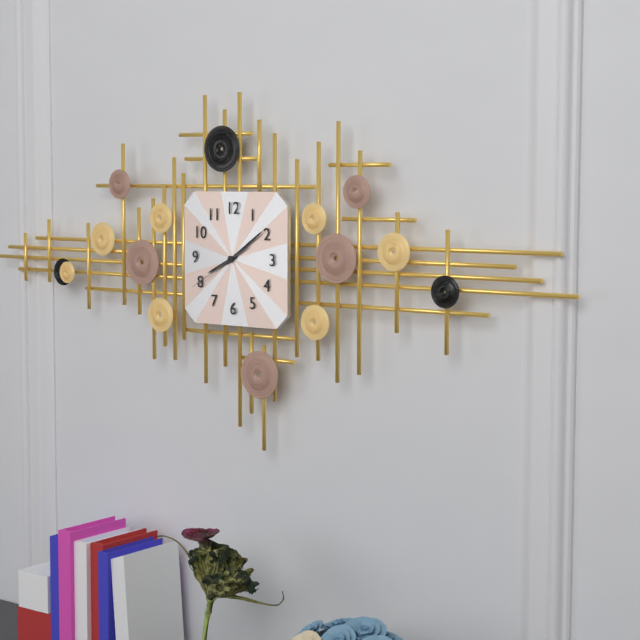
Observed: 8 h 09 min 40 s
